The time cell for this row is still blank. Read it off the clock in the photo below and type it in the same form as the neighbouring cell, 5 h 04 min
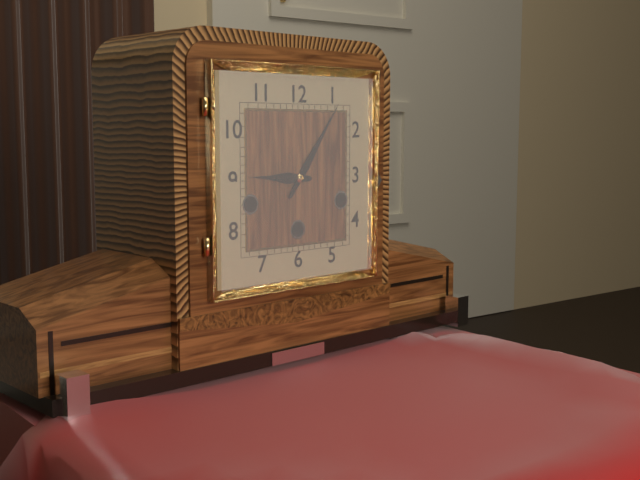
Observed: 9 h 06 min
